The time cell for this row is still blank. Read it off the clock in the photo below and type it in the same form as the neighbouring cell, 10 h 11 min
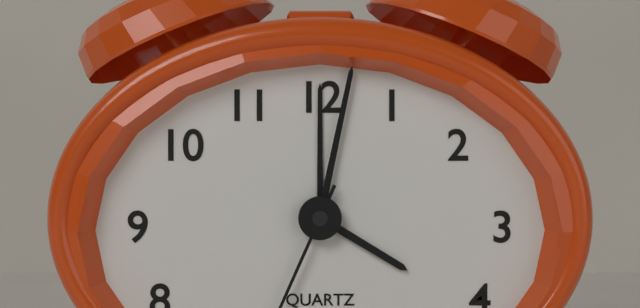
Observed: 4 h 02 min
